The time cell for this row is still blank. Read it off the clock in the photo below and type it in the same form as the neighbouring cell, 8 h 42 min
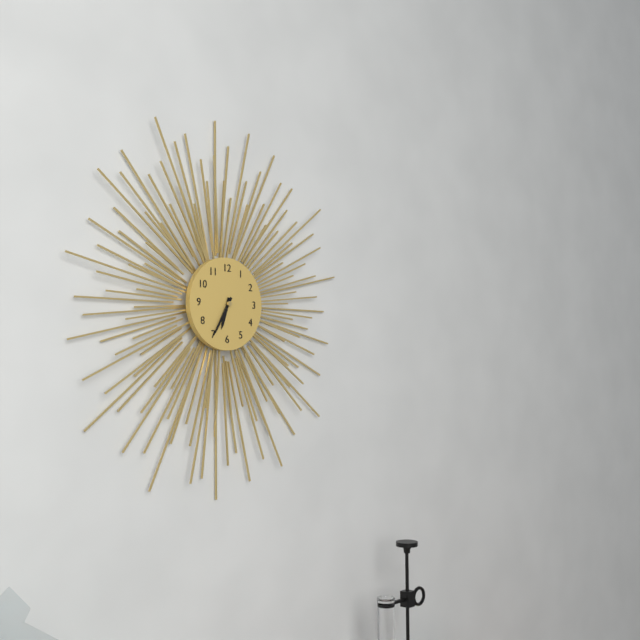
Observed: 6 h 35 min
